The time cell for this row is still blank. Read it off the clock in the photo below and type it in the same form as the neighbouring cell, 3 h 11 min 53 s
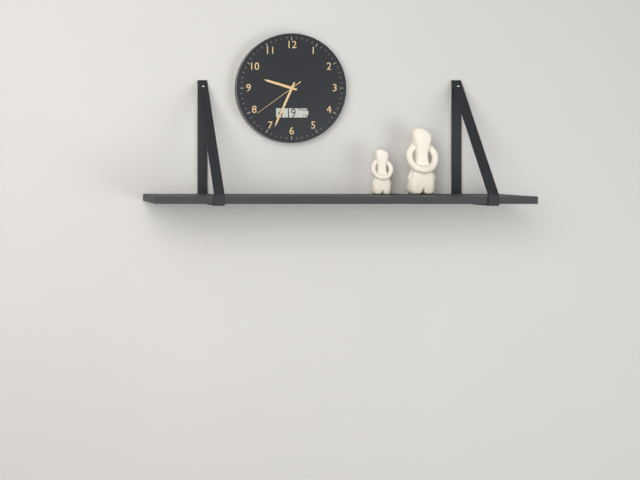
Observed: 9 h 34 min 39 s
